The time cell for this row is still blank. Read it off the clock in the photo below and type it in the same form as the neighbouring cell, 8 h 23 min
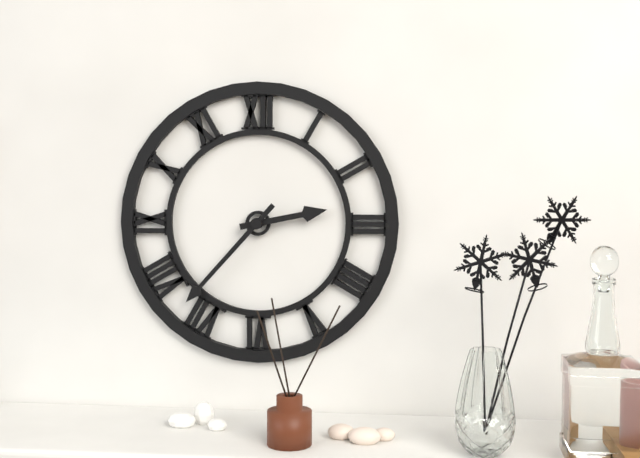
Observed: 2 h 37 min
